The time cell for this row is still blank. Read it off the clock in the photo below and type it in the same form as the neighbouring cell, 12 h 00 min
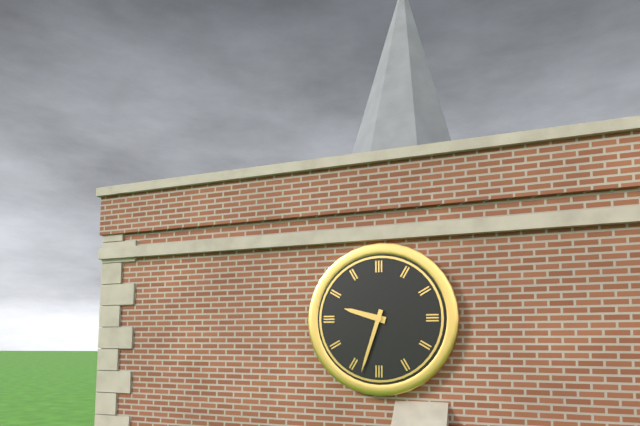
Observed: 9 h 33 min
